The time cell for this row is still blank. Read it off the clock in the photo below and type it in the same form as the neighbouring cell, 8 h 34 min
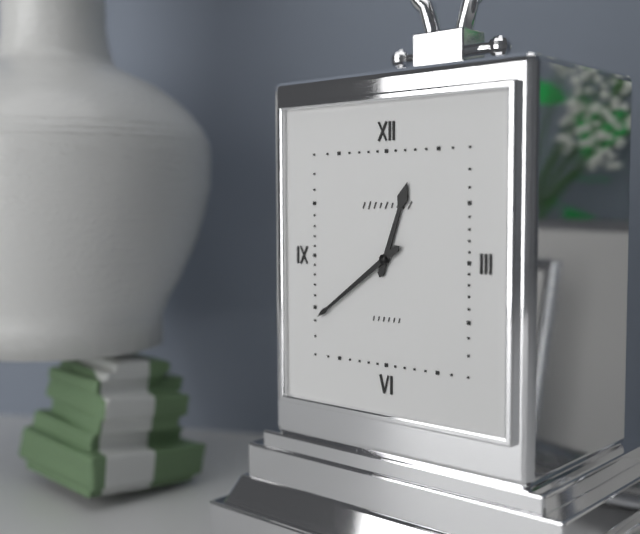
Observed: 12 h 39 min
